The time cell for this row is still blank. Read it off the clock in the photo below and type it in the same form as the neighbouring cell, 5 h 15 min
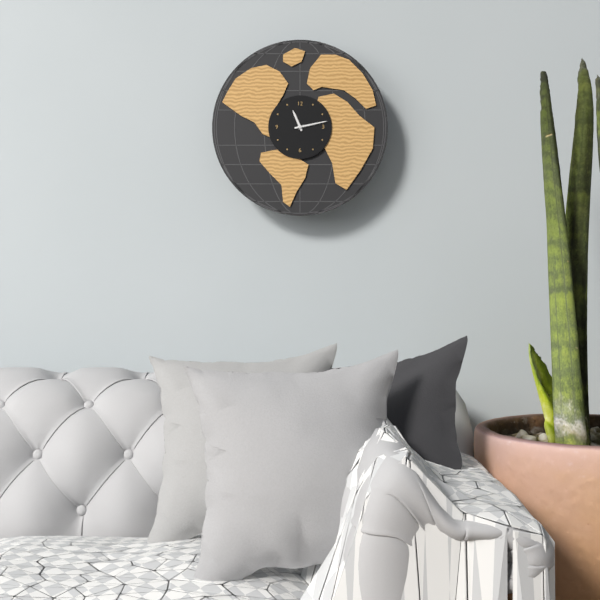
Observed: 11 h 13 min
